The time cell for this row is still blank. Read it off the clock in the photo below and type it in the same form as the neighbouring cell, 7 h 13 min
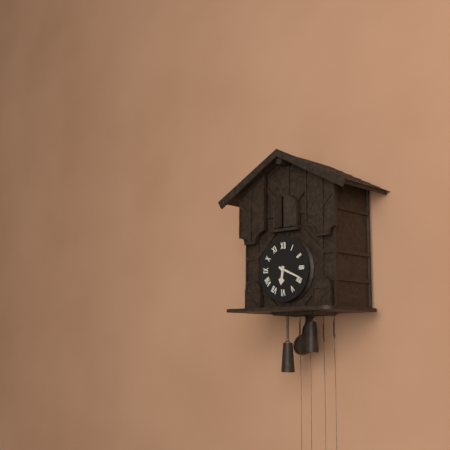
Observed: 6 h 19 min
